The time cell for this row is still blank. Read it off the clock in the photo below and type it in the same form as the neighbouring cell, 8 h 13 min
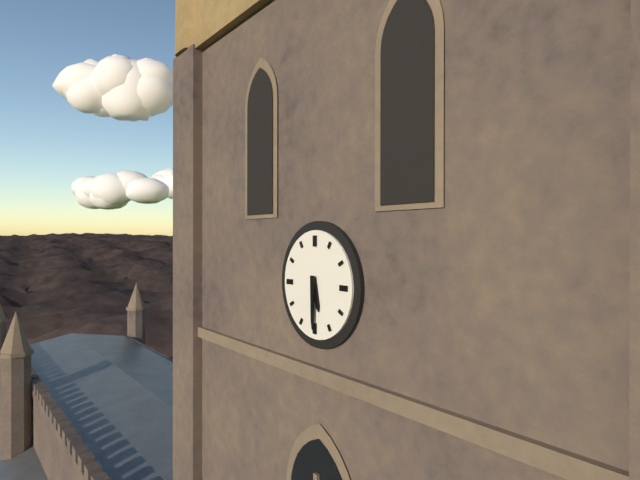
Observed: 5 h 30 min
